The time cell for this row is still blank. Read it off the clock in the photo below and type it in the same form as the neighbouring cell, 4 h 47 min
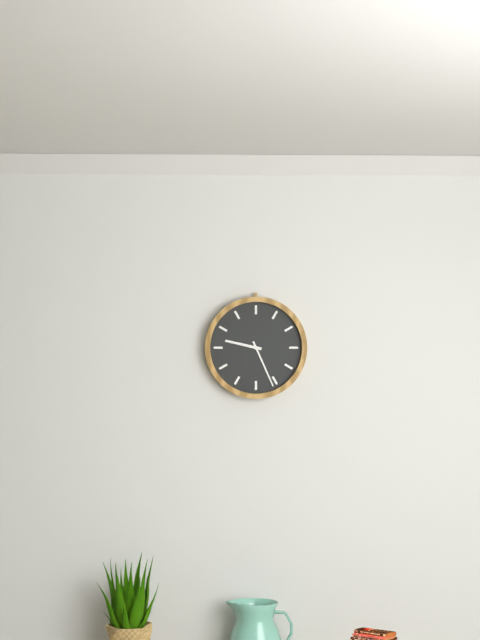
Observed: 9 h 26 min
